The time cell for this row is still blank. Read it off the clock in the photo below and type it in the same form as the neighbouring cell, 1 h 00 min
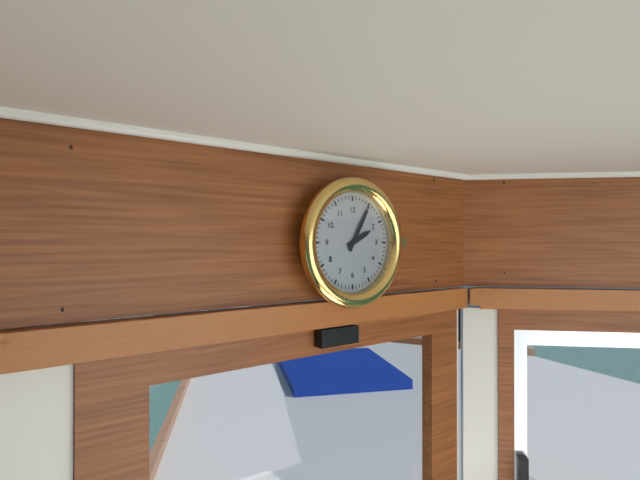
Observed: 2 h 05 min
